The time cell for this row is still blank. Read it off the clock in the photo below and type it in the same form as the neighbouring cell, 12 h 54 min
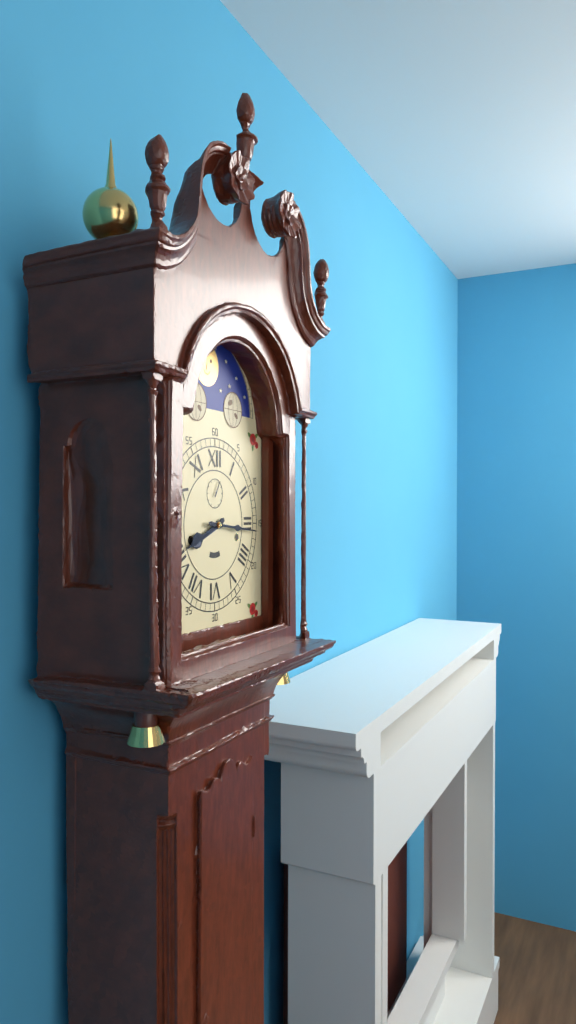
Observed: 8 h 16 min
